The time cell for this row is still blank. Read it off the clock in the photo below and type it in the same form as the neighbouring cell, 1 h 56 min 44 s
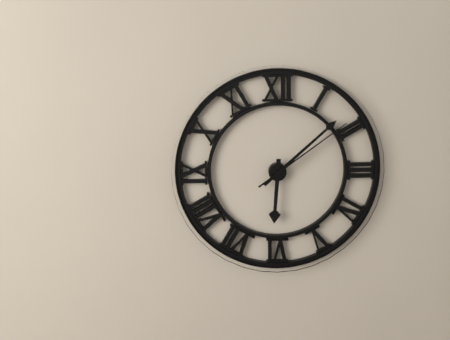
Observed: 6 h 08 min 09 s
